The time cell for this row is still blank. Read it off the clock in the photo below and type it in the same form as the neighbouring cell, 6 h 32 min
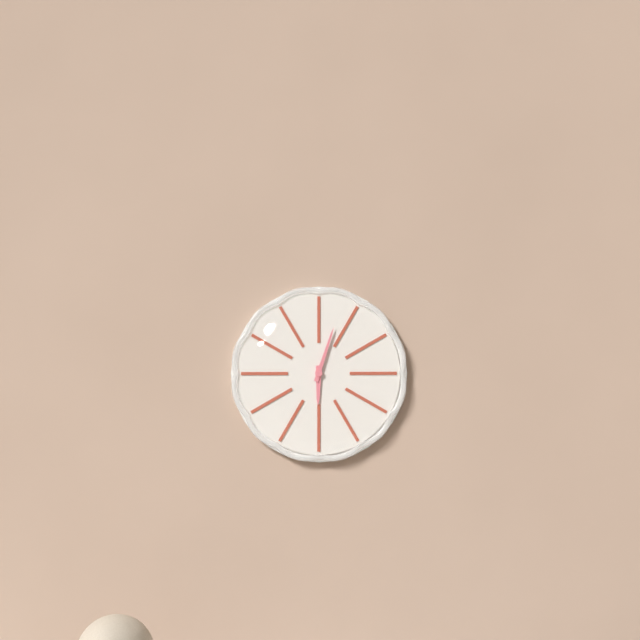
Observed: 6 h 03 min
